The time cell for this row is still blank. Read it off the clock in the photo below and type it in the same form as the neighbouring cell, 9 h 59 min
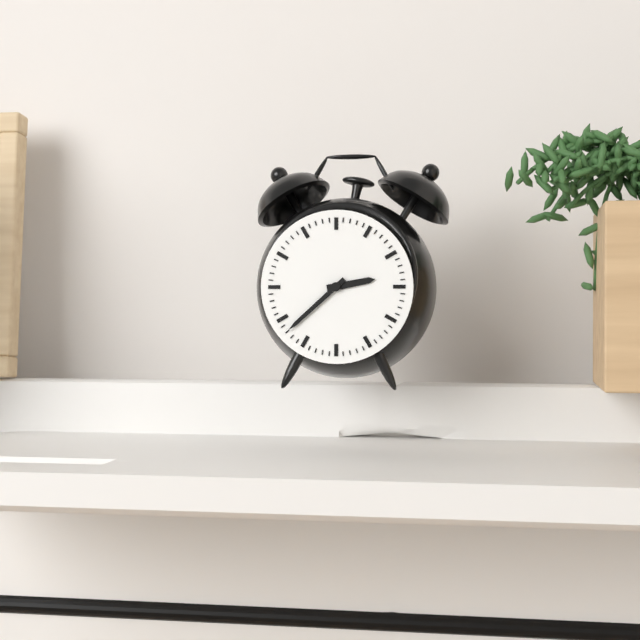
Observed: 2 h 38 min
